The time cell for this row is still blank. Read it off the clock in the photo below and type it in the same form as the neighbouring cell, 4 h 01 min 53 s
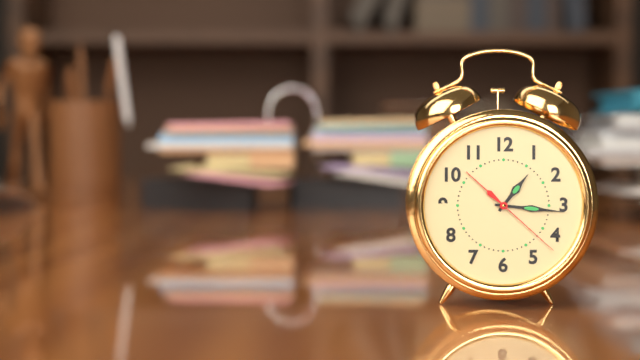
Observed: 1 h 16 min 22 s
